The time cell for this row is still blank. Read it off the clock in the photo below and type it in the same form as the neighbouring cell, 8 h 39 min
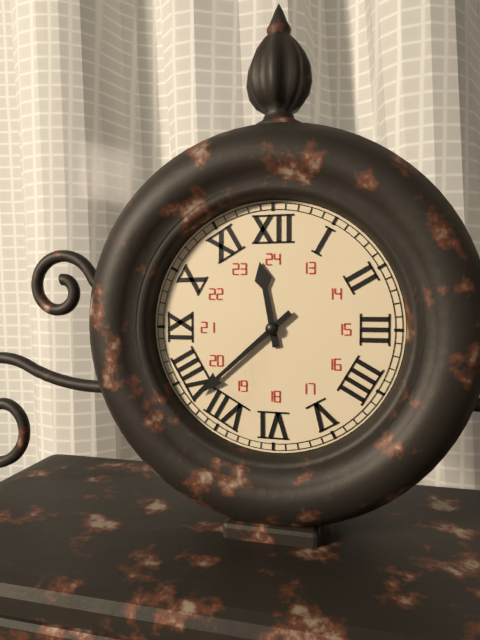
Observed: 11 h 38 min
